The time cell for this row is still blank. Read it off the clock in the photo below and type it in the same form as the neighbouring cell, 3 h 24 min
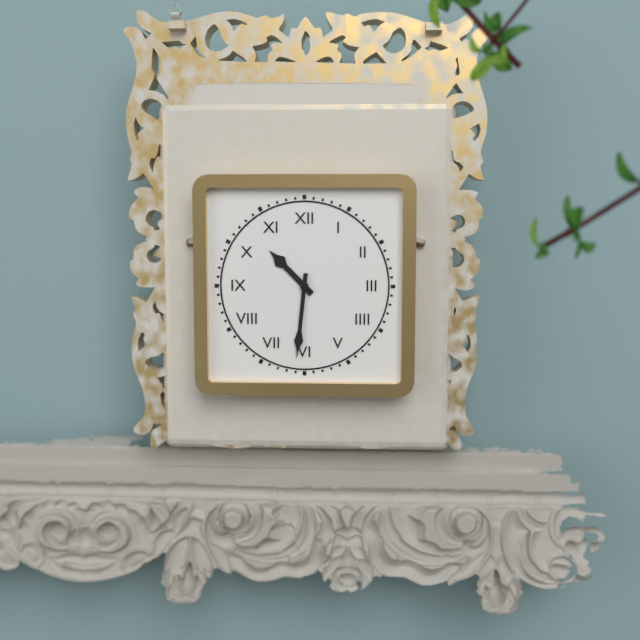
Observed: 10 h 31 min
